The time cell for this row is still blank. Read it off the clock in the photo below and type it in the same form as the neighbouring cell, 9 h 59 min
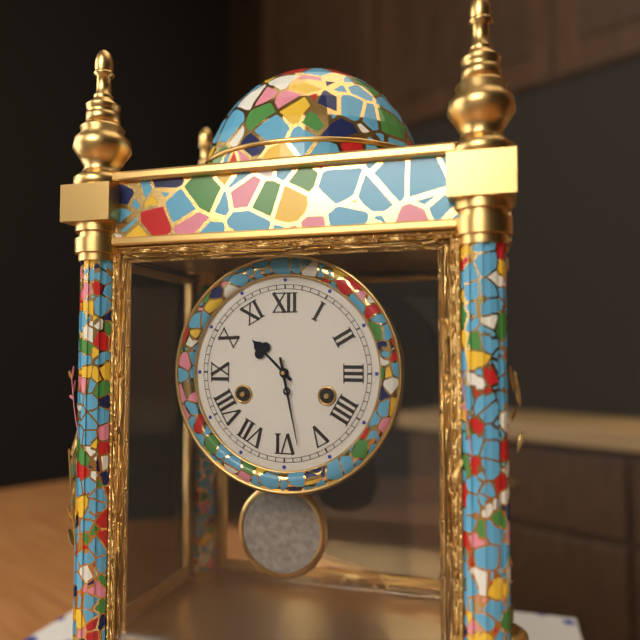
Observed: 10 h 28 min
